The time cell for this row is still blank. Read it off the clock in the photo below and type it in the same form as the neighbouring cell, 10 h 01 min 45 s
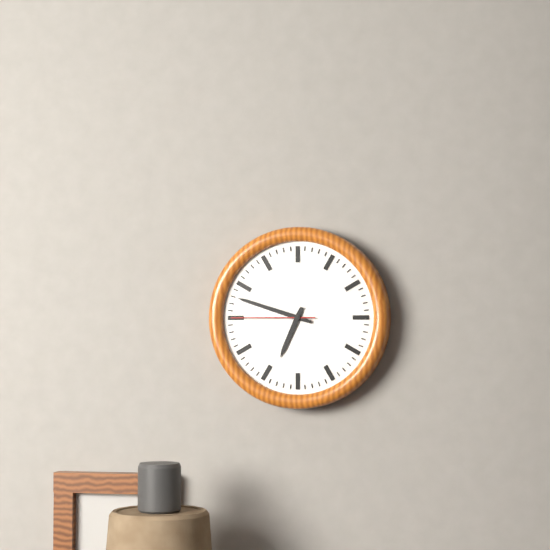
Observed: 6 h 48 min 45 s
